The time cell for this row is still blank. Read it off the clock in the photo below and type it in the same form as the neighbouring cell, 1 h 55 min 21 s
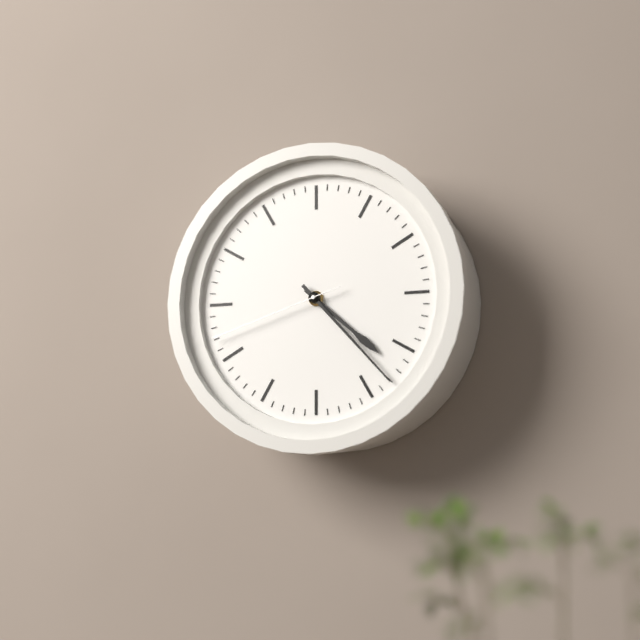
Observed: 4 h 23 min 42 s
